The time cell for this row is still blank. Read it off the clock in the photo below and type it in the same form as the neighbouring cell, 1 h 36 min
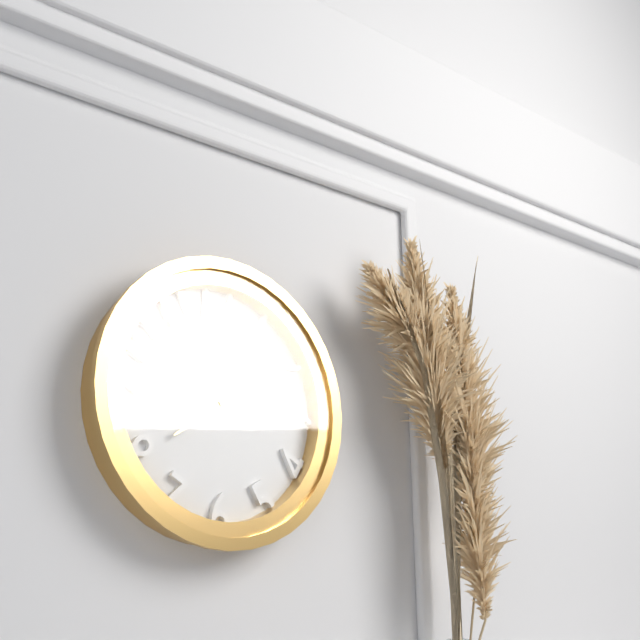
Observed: 7 h 51 min
